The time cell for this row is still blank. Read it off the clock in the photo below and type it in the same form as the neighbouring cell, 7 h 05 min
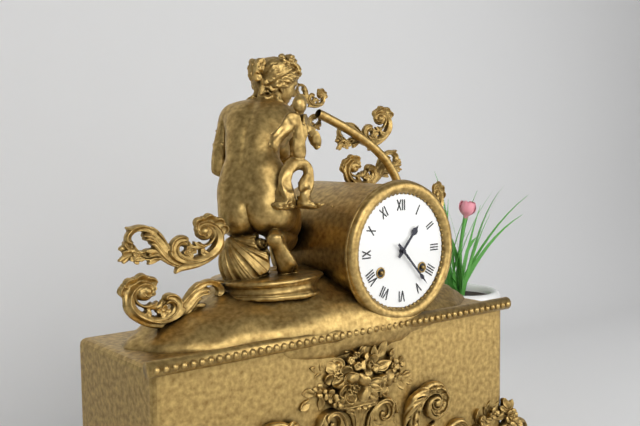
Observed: 1 h 23 min
